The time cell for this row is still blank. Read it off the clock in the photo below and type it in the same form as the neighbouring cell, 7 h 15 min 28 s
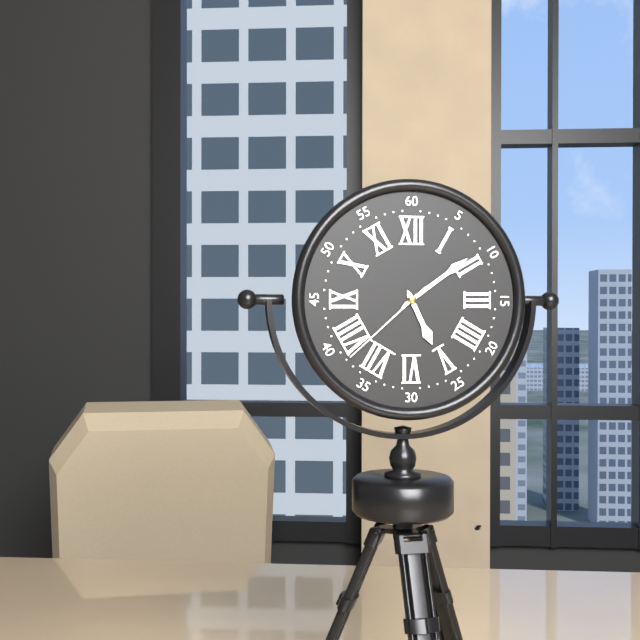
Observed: 5 h 09 min 38 s
